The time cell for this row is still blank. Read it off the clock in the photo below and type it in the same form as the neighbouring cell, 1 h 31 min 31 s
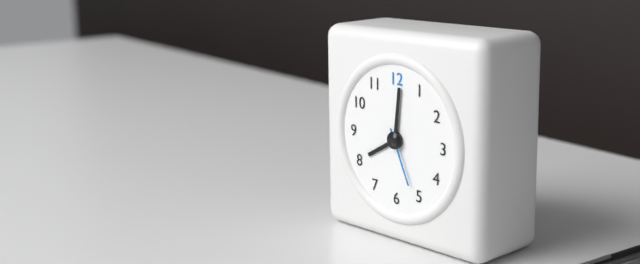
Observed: 8 h 01 min 26 s
